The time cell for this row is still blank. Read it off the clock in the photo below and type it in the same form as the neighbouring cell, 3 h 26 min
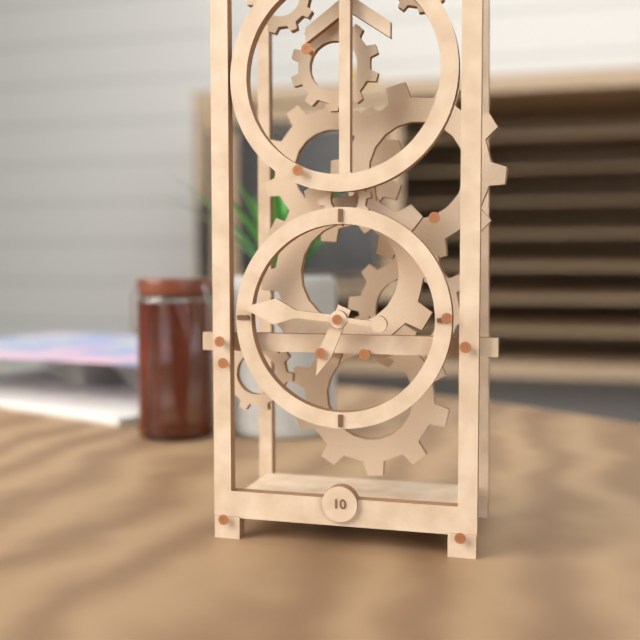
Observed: 6 h 46 min
